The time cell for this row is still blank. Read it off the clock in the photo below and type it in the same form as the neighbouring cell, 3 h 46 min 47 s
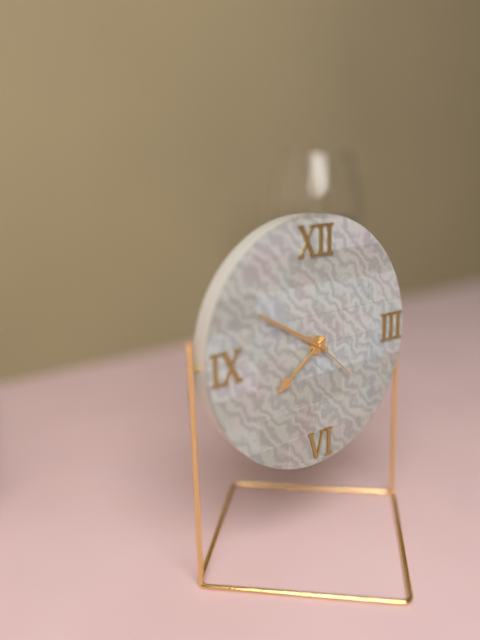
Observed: 7 h 50 min 22 s
